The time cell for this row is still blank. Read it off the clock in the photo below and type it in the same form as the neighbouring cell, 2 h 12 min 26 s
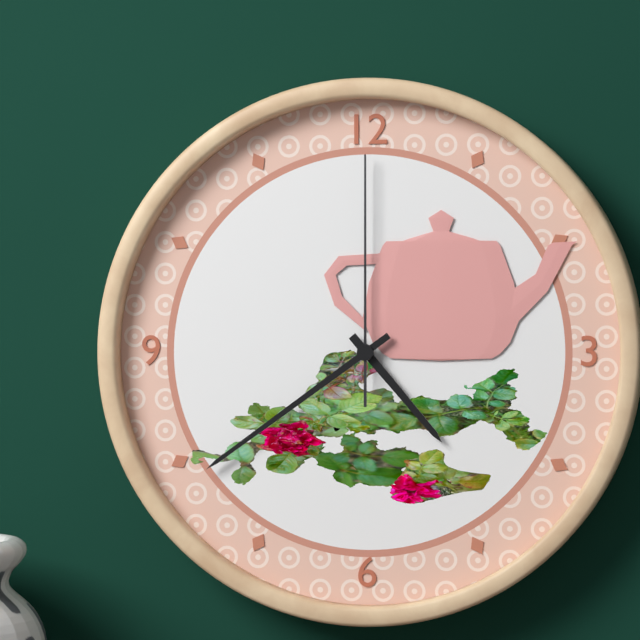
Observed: 4 h 39 min 00 s
